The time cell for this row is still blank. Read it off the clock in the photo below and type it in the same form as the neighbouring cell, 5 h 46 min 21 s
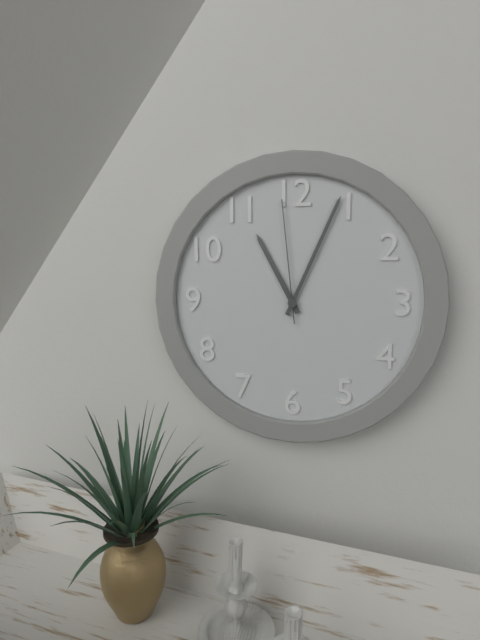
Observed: 11 h 04 min 59 s
